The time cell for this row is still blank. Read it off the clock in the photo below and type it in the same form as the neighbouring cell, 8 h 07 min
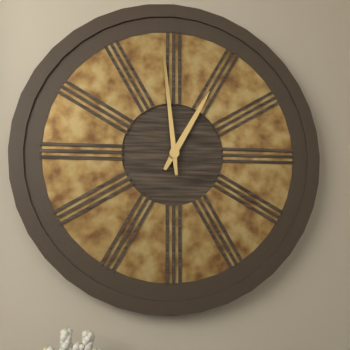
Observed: 12 h 59 min
